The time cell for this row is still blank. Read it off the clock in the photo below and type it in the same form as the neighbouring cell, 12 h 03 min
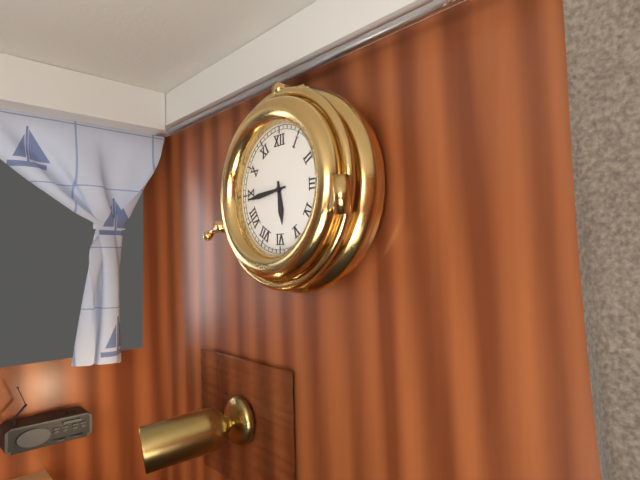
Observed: 5 h 44 min
